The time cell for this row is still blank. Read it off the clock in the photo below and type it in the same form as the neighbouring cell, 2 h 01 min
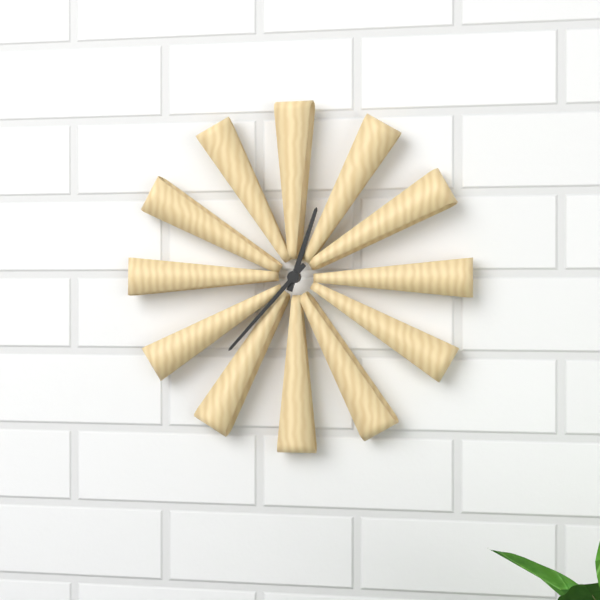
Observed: 12 h 37 min
